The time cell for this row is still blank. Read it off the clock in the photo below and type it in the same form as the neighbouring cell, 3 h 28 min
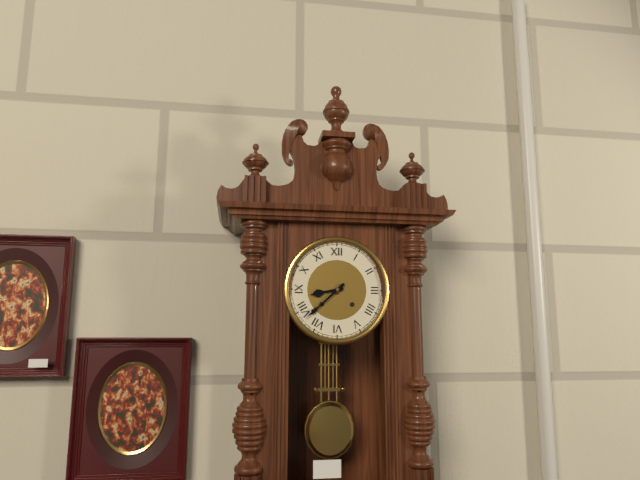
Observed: 8 h 38 min
